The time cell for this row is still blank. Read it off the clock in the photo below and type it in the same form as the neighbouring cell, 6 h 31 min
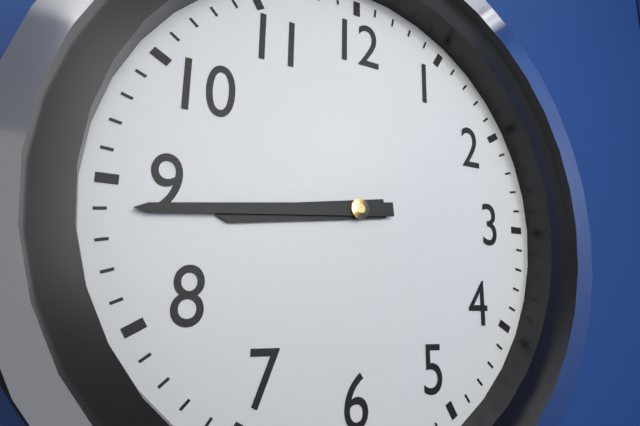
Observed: 8 h 44 min
